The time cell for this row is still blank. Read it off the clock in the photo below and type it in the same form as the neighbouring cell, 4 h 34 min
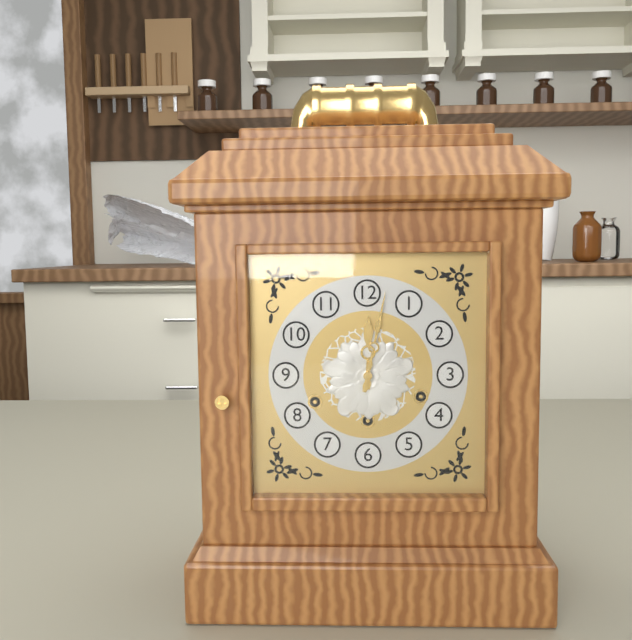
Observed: 12 h 02 min
